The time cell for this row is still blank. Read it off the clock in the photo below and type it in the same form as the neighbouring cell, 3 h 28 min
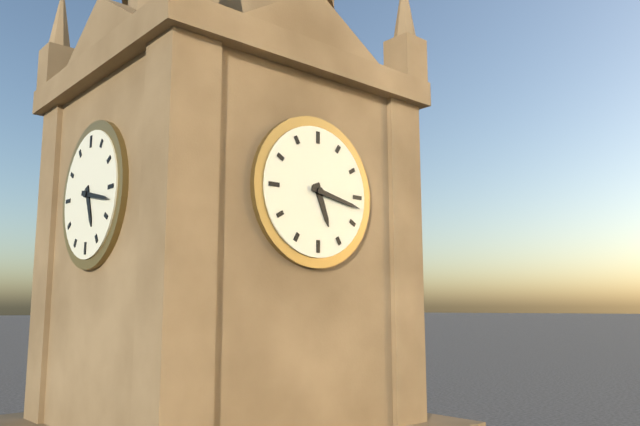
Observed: 5 h 17 min
